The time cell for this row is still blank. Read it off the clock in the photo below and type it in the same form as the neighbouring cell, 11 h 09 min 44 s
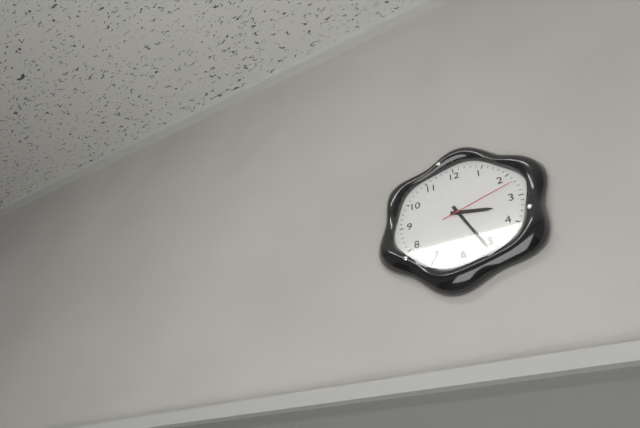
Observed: 3 h 26 min 12 s
